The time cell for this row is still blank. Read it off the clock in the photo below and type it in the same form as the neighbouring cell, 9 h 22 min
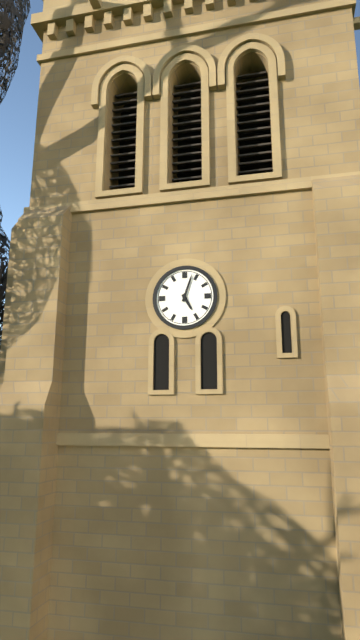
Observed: 5 h 03 min
